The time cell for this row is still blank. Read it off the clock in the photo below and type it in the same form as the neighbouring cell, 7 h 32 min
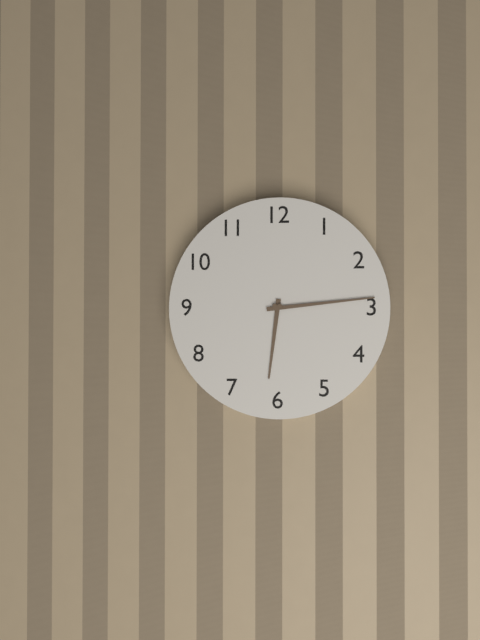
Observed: 6 h 14 min
